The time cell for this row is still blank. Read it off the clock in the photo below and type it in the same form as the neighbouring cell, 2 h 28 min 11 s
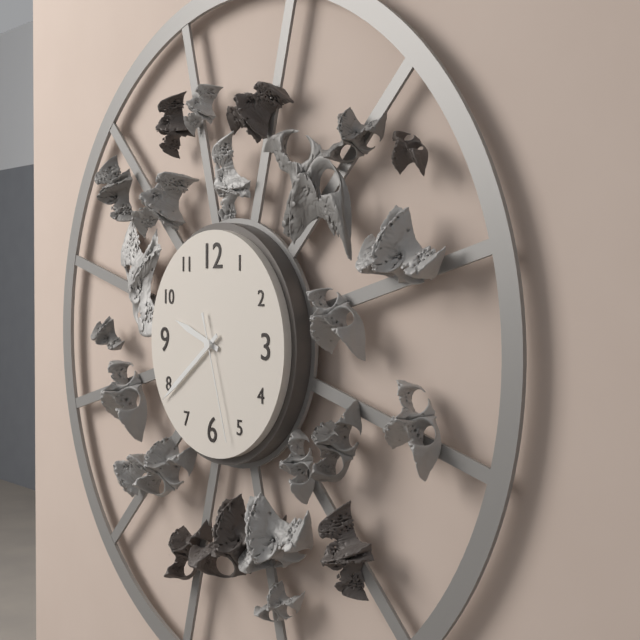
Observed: 9 h 39 min 27 s
